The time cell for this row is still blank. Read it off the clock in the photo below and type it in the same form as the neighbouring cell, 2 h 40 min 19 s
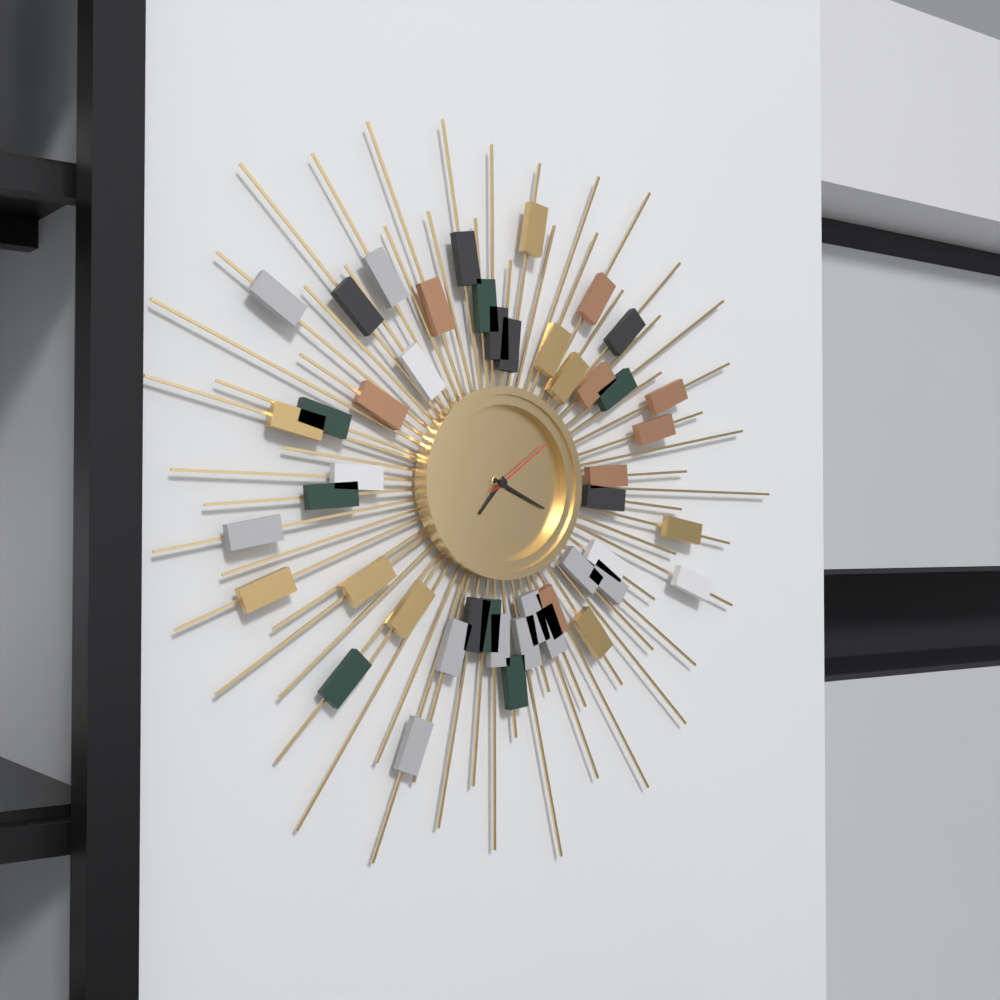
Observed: 7 h 19 min 09 s
